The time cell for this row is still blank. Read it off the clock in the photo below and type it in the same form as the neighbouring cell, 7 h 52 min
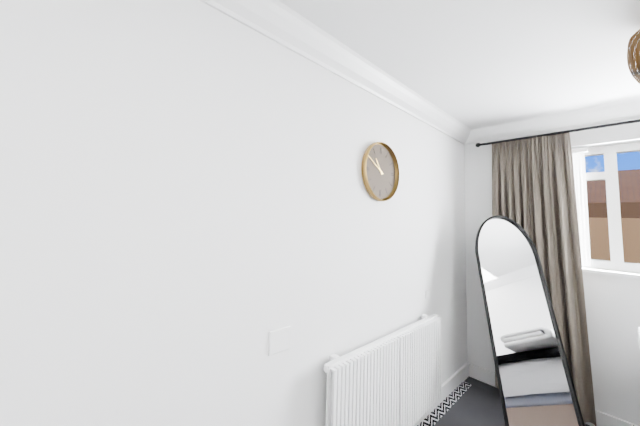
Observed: 10 h 50 min
